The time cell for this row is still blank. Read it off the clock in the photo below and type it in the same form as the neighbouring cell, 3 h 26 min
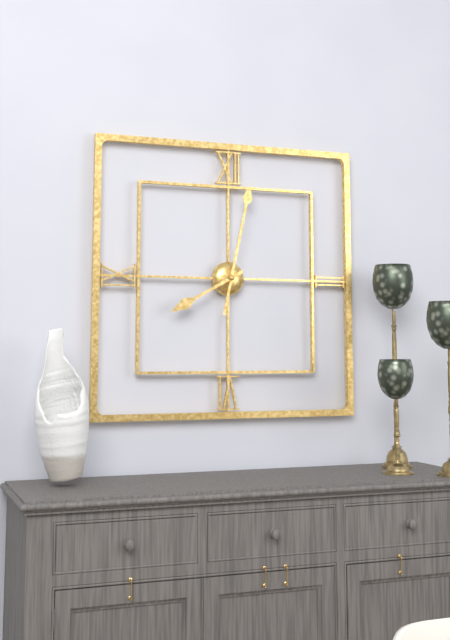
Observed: 8 h 02 min
